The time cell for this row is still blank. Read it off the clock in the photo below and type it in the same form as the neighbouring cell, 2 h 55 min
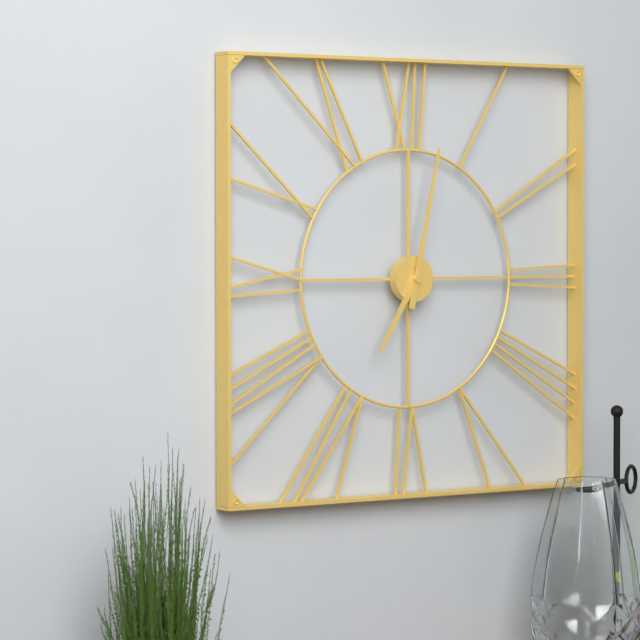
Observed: 7 h 02 min
